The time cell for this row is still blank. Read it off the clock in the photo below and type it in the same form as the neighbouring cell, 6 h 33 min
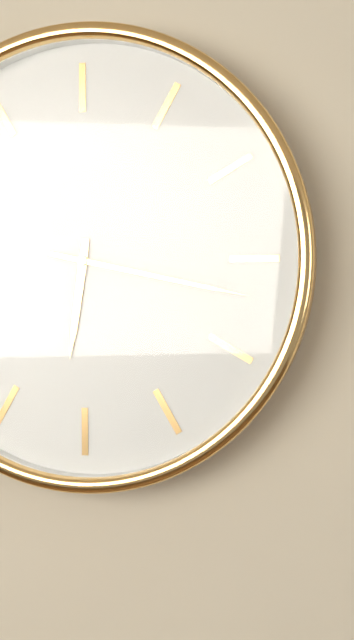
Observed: 6 h 17 min
